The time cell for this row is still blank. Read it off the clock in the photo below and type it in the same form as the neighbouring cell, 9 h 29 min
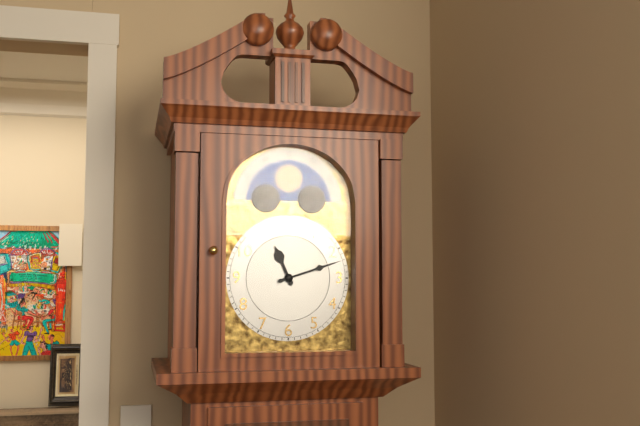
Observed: 11 h 12 min
